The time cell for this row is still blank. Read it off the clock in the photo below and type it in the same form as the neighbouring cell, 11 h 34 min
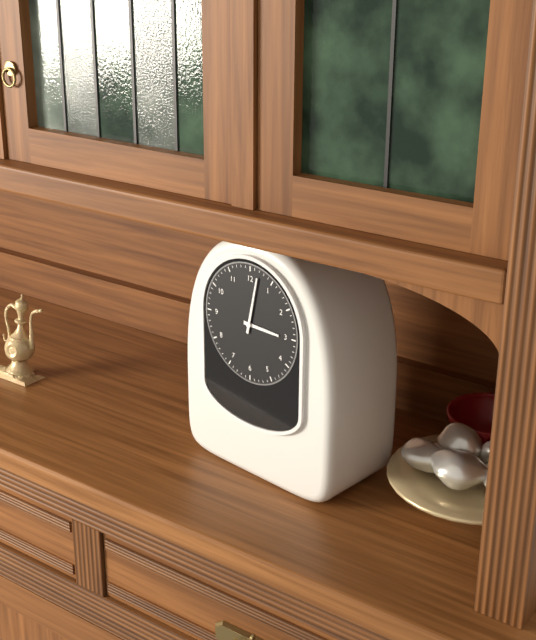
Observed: 3 h 02 min
